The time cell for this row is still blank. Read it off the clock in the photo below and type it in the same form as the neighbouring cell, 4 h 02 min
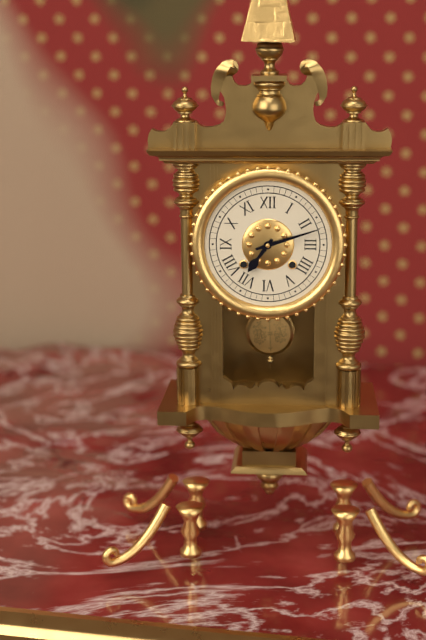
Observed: 7 h 12 min
